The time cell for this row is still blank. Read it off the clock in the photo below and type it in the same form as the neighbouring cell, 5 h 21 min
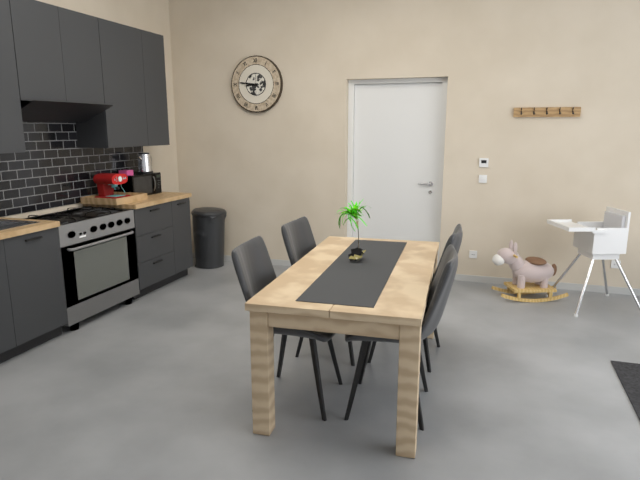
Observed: 8 h 46 min
